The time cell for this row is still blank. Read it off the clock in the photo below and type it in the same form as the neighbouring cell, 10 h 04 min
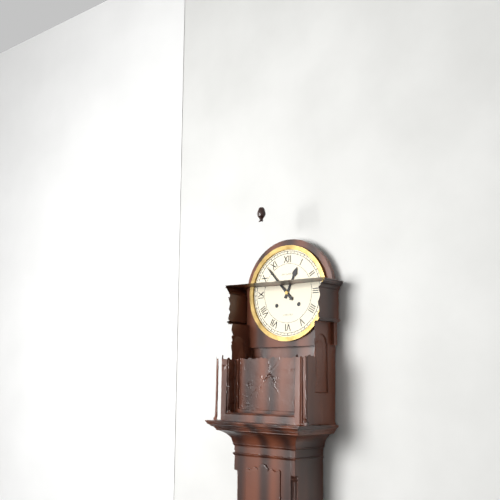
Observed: 12 h 53 min
